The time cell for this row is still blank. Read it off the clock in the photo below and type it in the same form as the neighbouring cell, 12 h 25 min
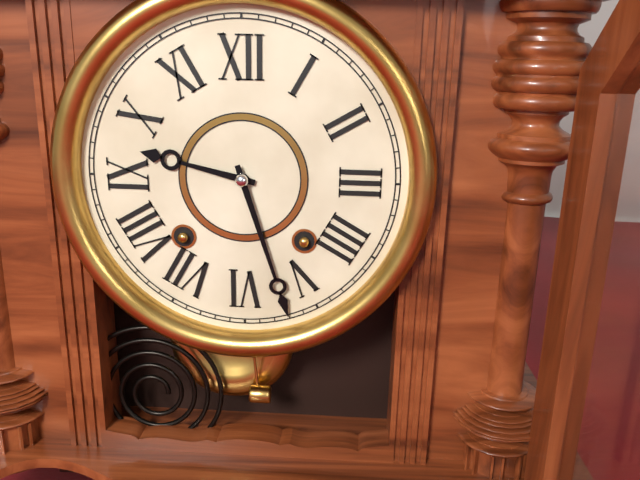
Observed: 9 h 27 min
